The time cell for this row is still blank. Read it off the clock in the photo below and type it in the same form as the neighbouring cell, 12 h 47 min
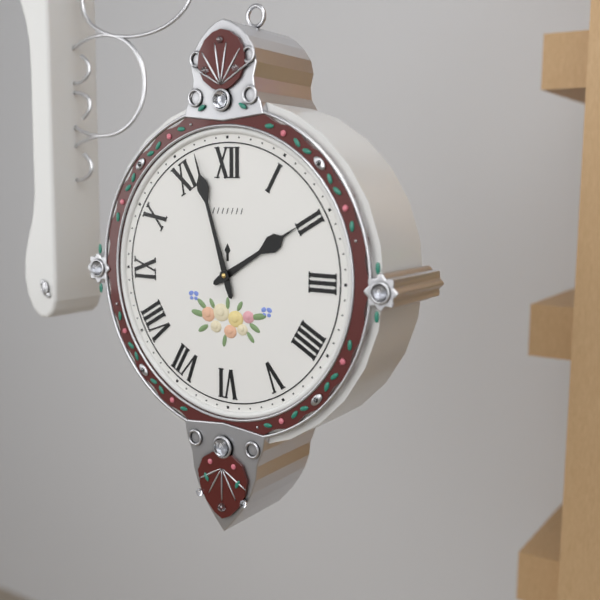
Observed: 1 h 57 min
